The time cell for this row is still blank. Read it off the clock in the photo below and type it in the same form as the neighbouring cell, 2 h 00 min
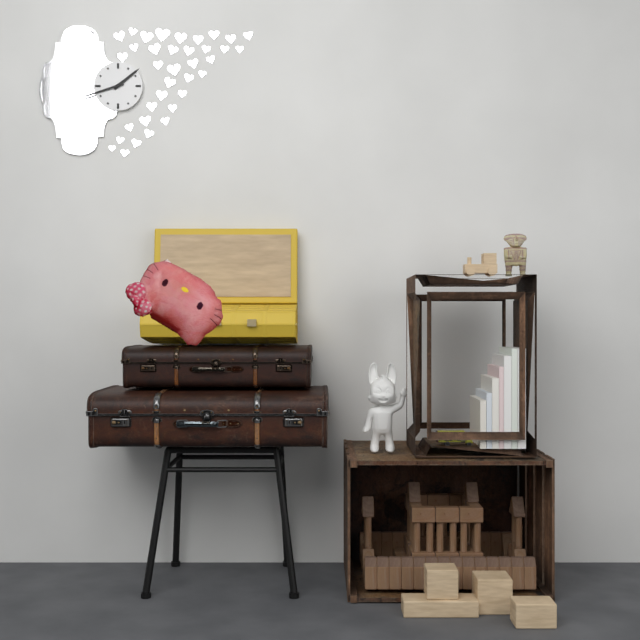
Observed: 1 h 42 min
